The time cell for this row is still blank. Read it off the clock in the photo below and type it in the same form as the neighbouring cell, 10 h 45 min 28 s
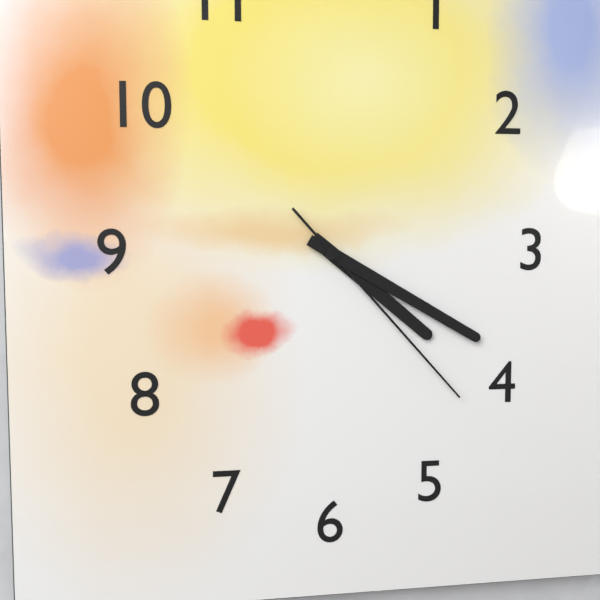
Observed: 4 h 20 min 23 s
